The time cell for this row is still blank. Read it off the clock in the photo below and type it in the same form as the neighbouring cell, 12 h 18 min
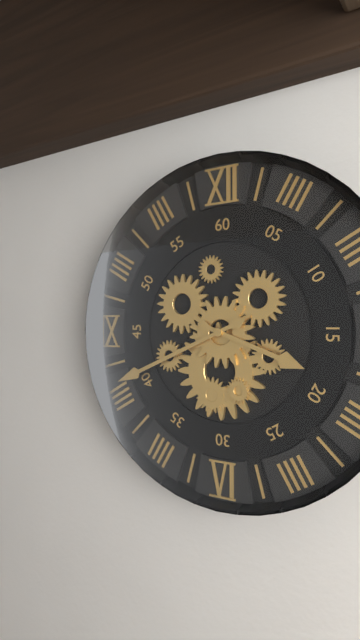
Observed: 3 h 41 min
